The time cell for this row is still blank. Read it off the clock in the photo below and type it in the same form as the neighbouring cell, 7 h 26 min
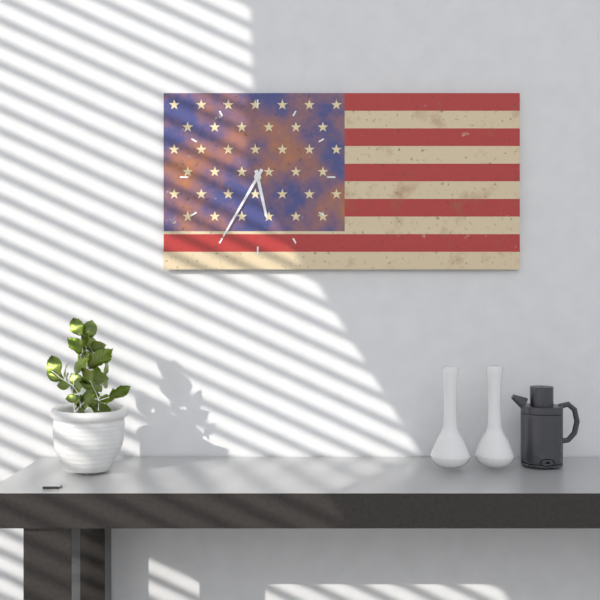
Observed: 5 h 35 min
